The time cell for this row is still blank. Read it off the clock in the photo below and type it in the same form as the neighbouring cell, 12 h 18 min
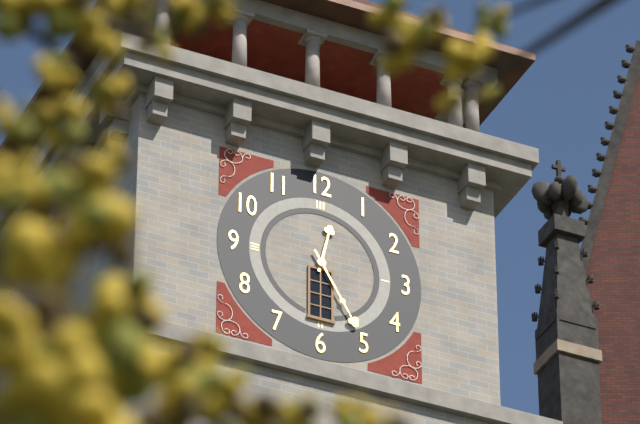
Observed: 12 h 25 min
